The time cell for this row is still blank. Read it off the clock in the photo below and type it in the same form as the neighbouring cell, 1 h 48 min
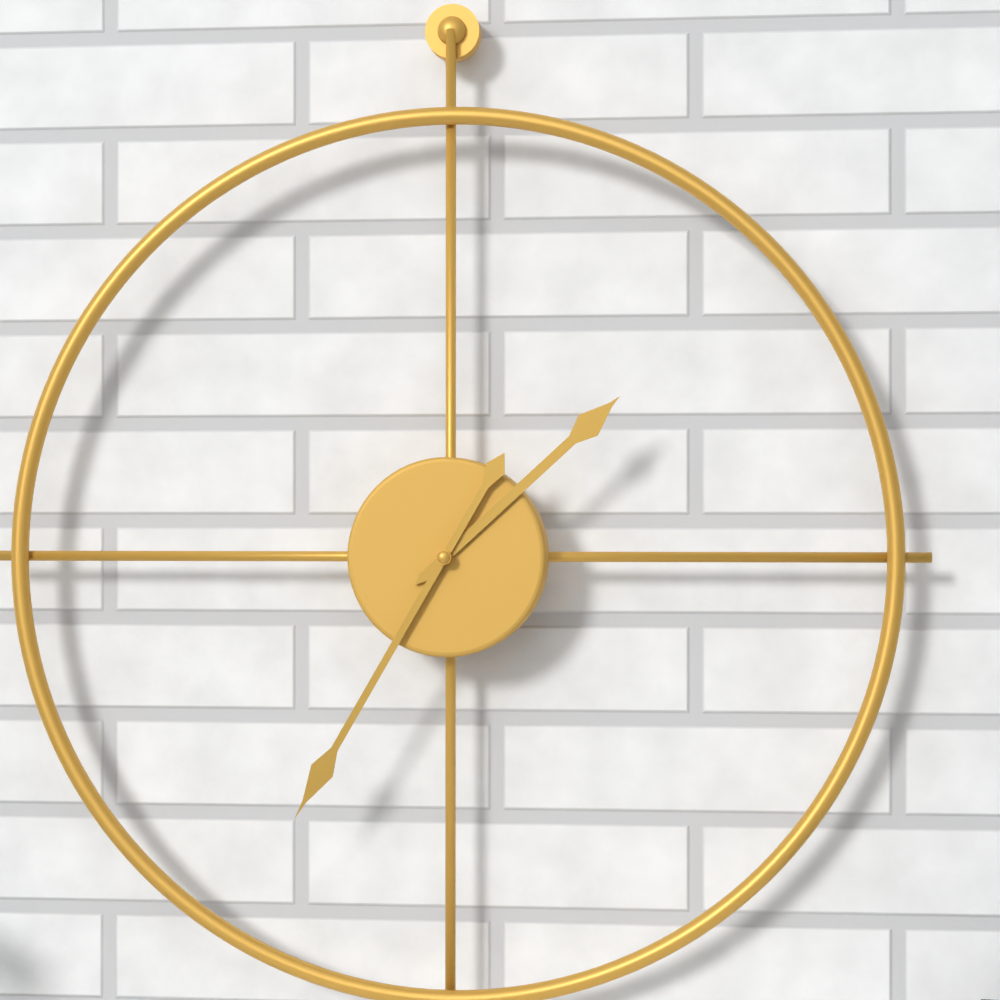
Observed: 1 h 35 min
